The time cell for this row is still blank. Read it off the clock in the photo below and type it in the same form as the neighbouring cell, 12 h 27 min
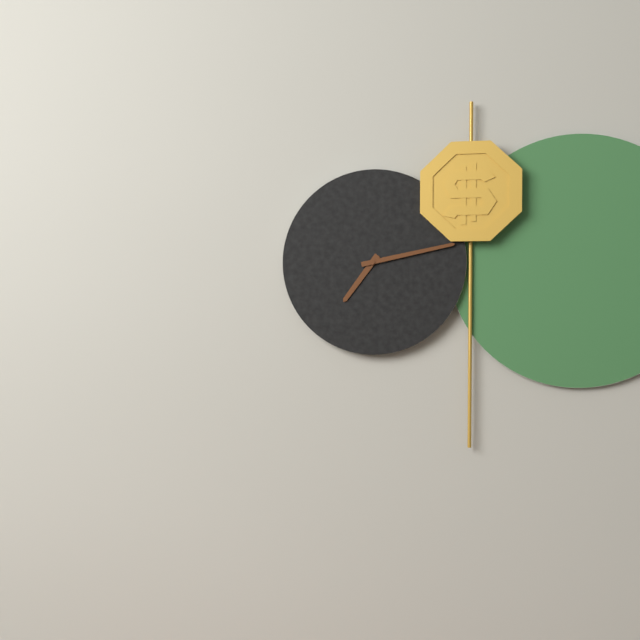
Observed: 7 h 13 min
